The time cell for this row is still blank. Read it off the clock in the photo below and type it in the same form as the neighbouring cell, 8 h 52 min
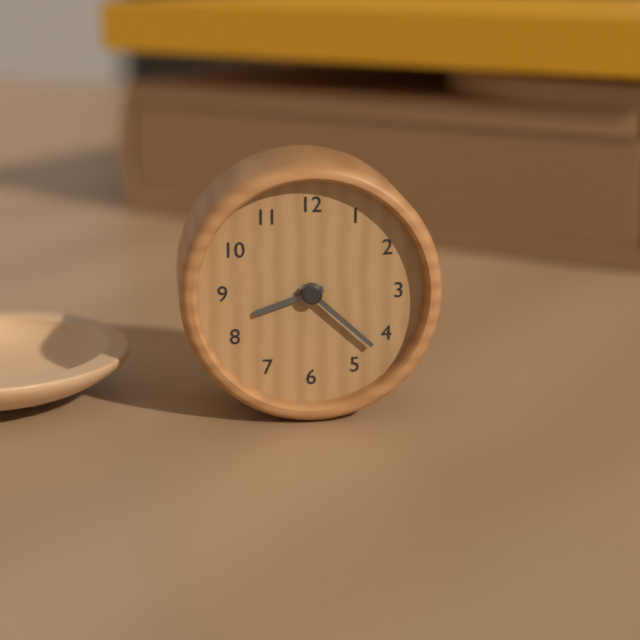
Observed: 8 h 22 min
